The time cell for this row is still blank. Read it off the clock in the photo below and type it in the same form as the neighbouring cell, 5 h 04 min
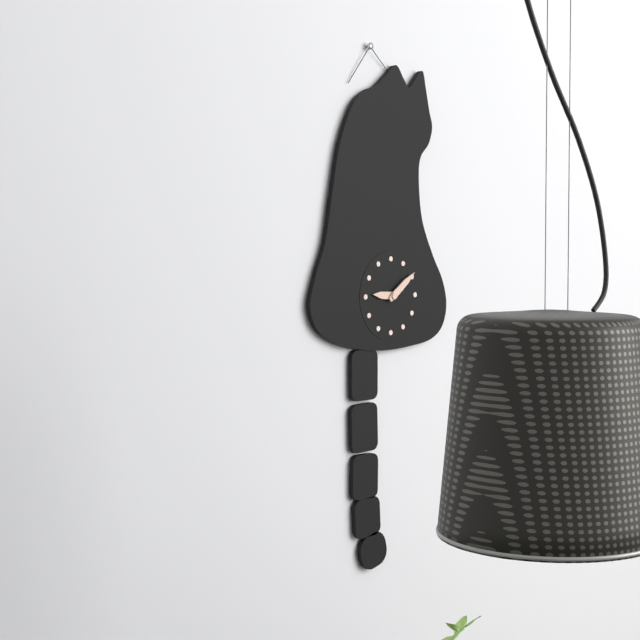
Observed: 9 h 09 min
